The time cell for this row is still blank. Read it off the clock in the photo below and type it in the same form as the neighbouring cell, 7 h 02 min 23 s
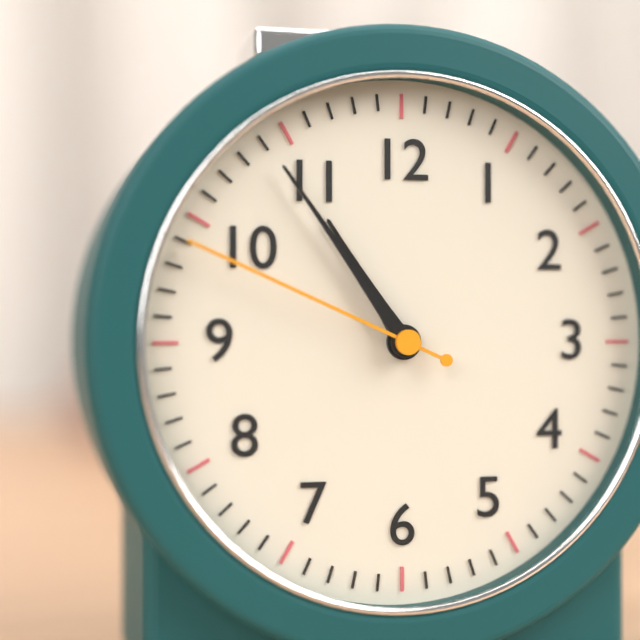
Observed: 10 h 54 min 49 s
